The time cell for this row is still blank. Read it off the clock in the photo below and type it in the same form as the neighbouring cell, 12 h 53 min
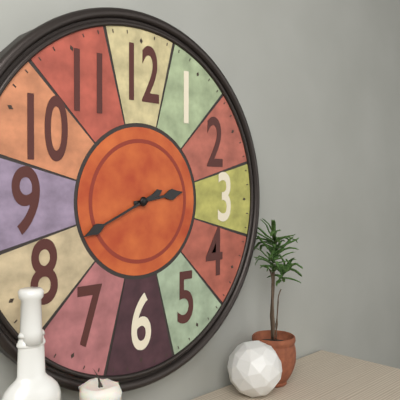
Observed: 2 h 41 min
